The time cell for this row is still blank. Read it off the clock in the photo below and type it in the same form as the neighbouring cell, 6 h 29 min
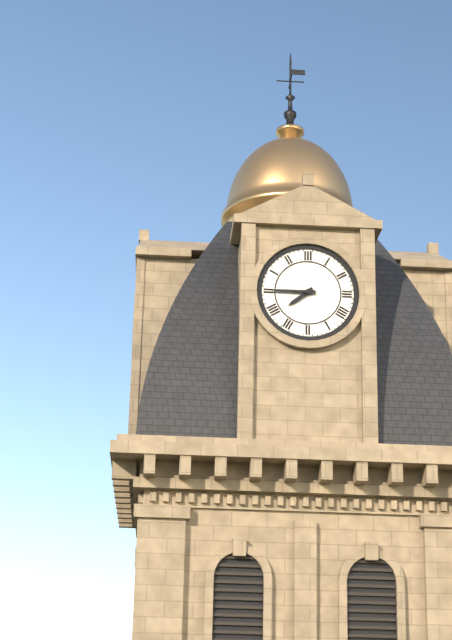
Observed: 7 h 45 min
